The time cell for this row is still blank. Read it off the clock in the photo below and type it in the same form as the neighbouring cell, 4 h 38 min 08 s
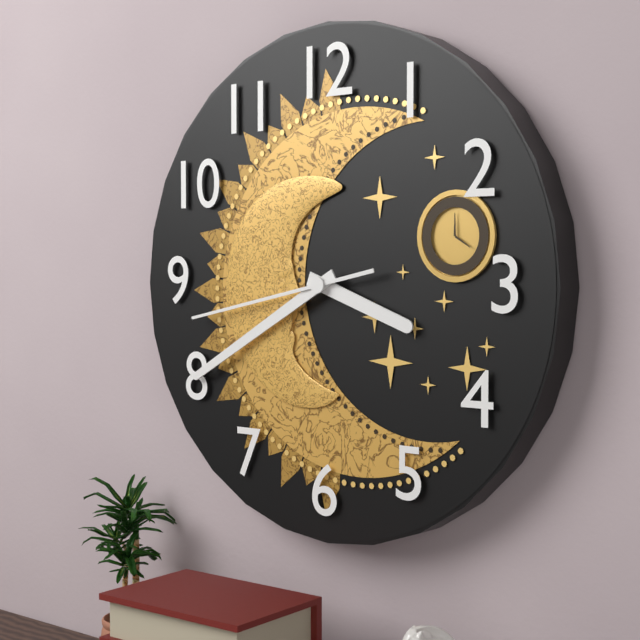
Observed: 3 h 40 min 43 s
